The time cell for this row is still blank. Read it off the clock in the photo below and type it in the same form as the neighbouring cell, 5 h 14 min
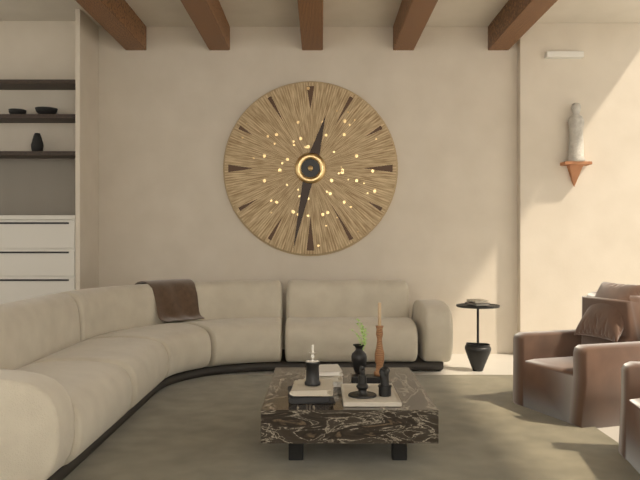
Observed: 12 h 32 min
